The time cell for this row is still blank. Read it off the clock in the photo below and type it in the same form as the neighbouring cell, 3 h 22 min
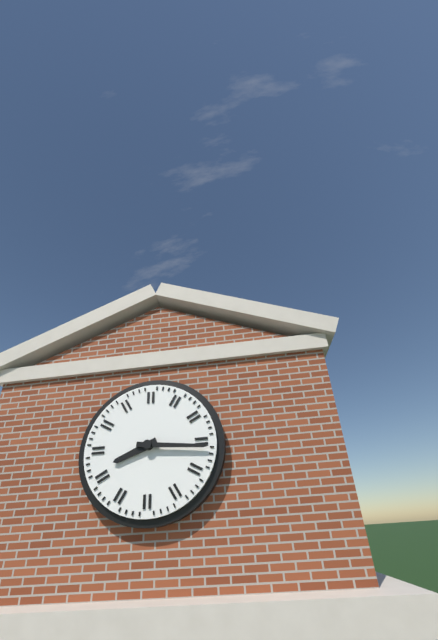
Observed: 8 h 16 min
